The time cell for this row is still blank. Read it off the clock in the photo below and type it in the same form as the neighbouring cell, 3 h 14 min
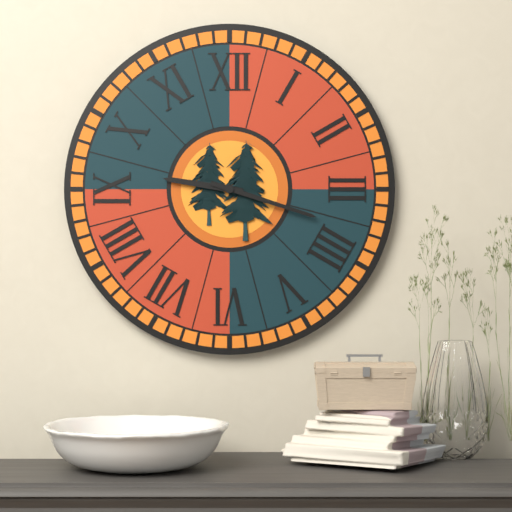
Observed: 9 h 18 min
